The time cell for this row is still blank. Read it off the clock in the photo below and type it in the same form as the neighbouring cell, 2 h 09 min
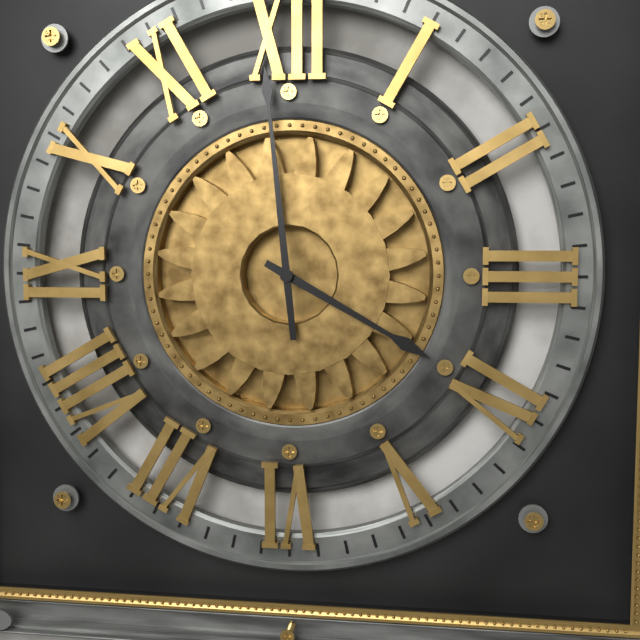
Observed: 3 h 59 min
